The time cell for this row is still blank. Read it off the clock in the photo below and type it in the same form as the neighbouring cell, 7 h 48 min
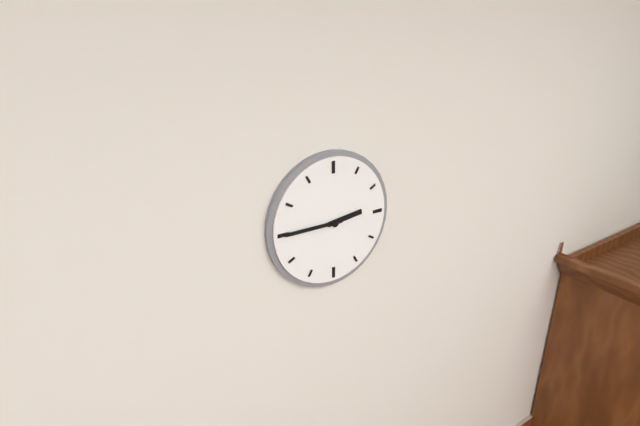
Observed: 2 h 45 min
